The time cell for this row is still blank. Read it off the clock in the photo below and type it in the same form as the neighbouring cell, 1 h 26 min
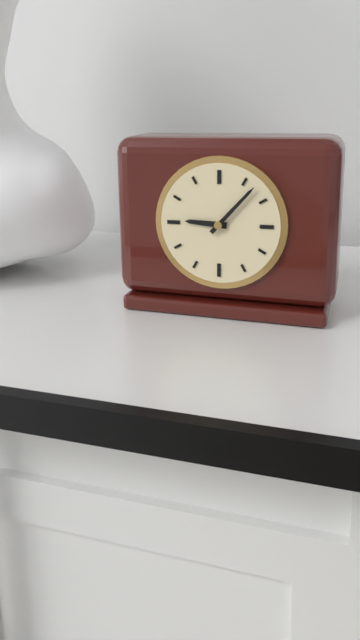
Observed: 9 h 07 min
